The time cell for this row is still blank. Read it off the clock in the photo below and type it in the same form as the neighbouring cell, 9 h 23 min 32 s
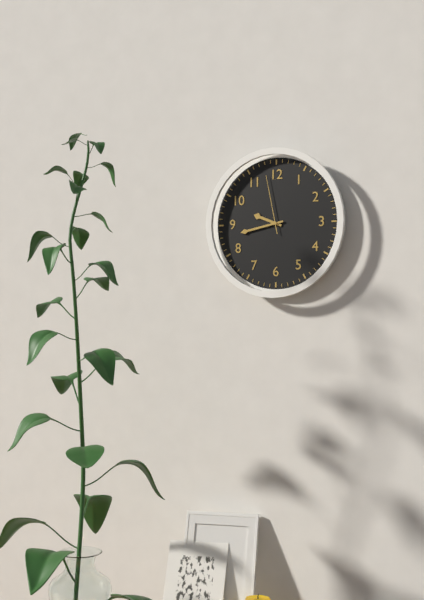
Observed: 9 h 43 min 58 s
